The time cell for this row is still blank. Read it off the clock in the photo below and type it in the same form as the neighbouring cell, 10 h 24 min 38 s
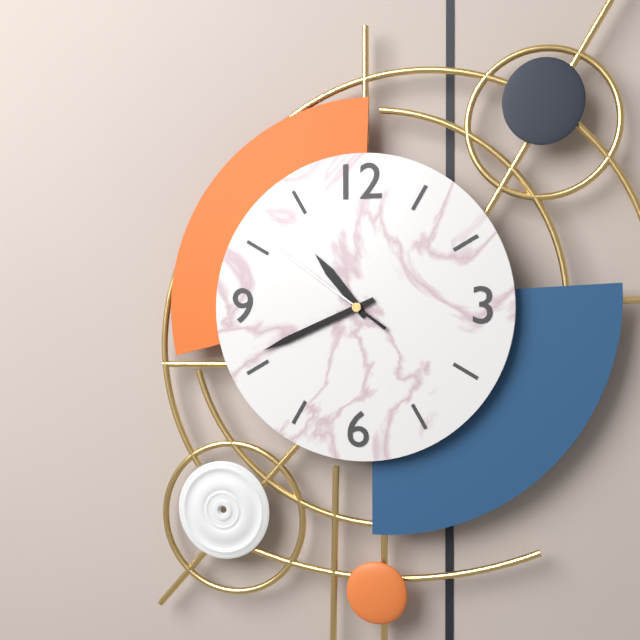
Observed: 10 h 41 min 51 s
